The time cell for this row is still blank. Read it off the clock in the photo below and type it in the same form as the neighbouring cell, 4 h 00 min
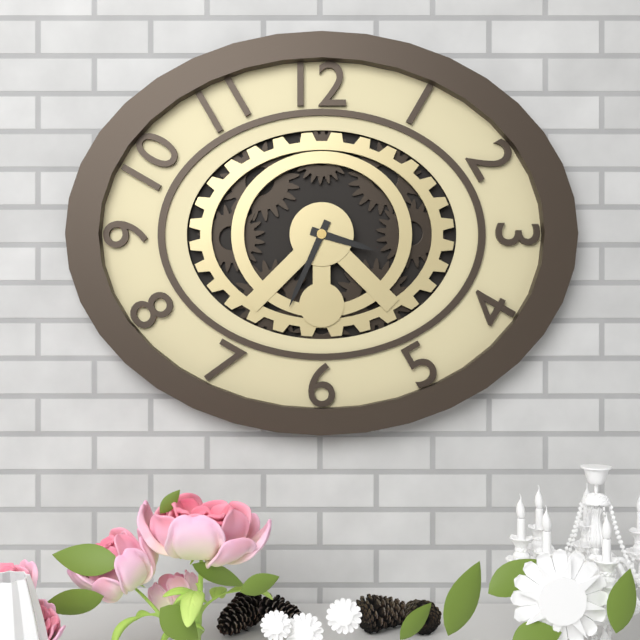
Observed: 3 h 34 min
